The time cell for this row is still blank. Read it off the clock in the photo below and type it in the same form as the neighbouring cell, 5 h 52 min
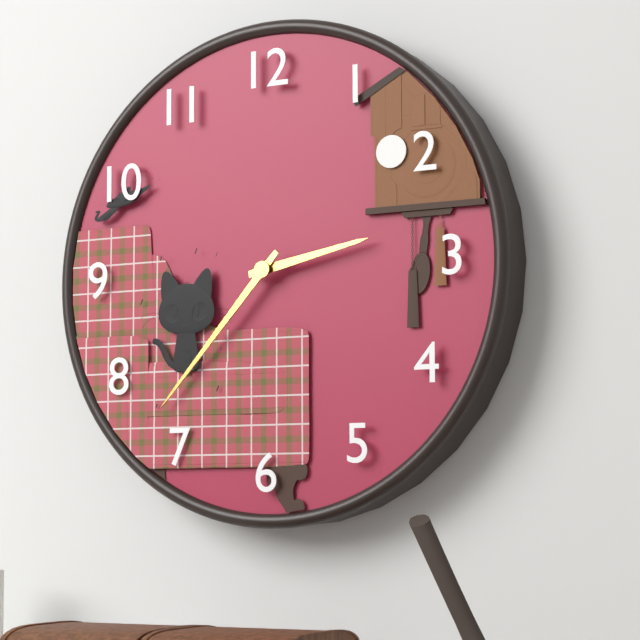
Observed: 2 h 37 min
